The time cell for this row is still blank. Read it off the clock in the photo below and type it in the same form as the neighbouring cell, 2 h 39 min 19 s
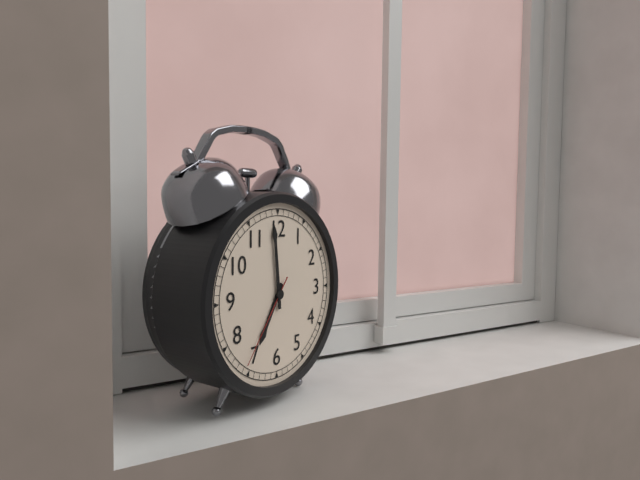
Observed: 6 h 59 min 36 s
